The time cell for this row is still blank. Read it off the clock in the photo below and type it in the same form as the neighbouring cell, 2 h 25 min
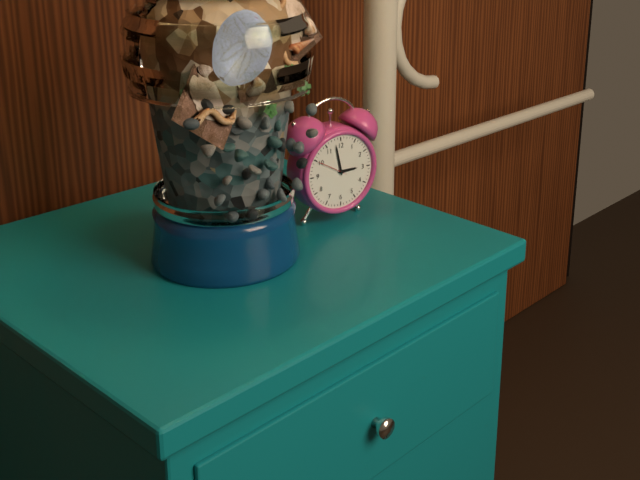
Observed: 2 h 58 min
